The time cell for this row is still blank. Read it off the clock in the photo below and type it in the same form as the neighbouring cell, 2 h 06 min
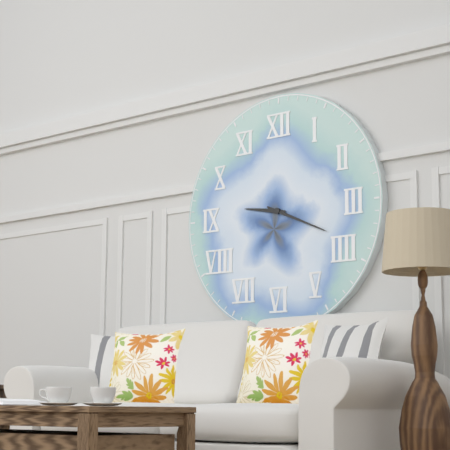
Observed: 9 h 19 min
